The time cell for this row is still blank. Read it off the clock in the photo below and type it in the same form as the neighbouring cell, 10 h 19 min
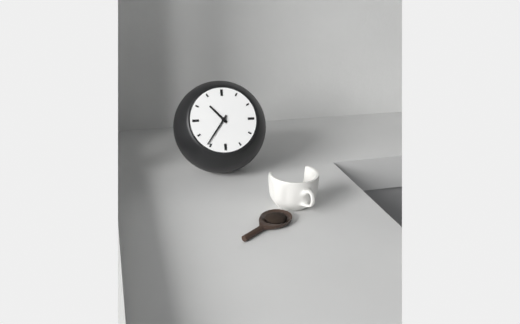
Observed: 10 h 36 min
